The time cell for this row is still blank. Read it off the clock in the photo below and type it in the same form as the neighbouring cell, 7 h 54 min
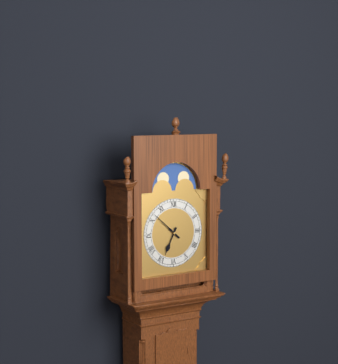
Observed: 6 h 52 min
